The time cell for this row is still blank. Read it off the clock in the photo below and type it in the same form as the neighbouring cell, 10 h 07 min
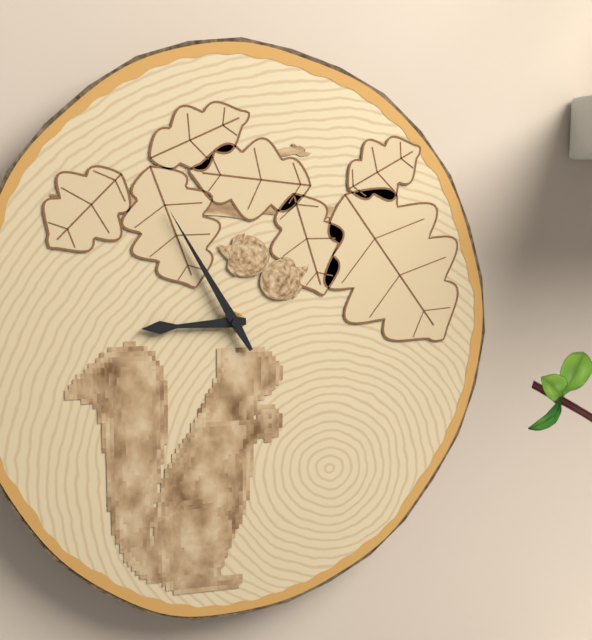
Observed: 8 h 55 min
